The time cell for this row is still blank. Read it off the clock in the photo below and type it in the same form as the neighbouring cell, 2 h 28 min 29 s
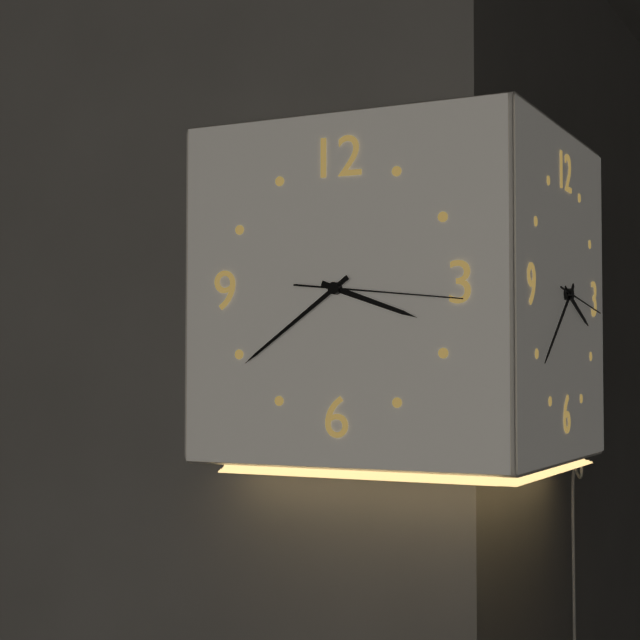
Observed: 3 h 39 min 16 s
